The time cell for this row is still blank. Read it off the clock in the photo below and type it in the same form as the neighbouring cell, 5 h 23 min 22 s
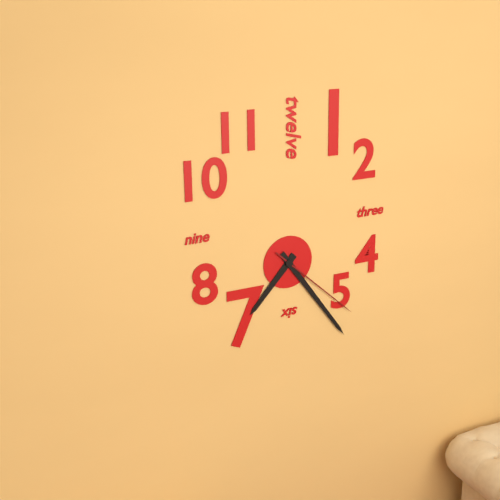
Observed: 7 h 24 min 22 s
